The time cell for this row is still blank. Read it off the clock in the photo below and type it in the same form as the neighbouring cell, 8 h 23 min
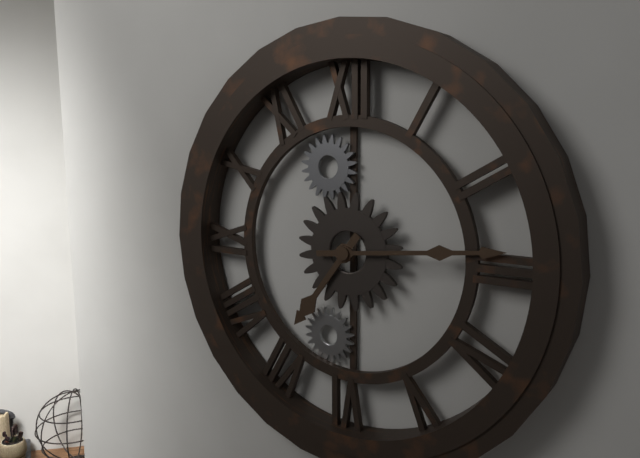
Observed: 7 h 14 min
